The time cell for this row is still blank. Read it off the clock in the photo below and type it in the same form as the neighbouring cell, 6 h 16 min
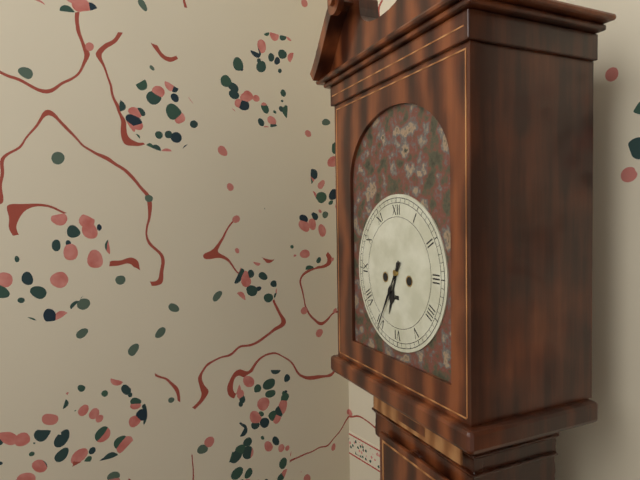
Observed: 6 h 35 min
